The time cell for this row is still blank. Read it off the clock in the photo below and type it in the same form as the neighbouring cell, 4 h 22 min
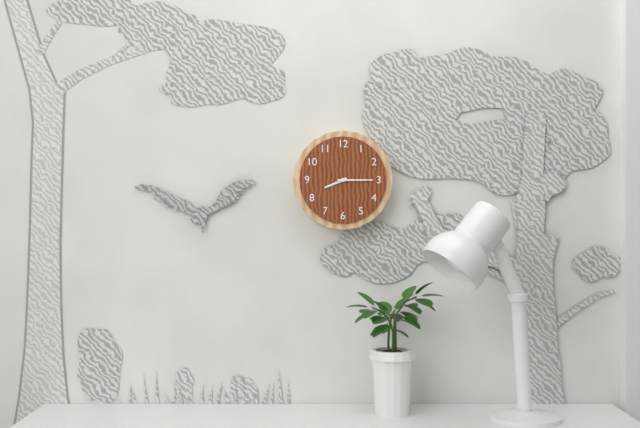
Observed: 8 h 15 min
